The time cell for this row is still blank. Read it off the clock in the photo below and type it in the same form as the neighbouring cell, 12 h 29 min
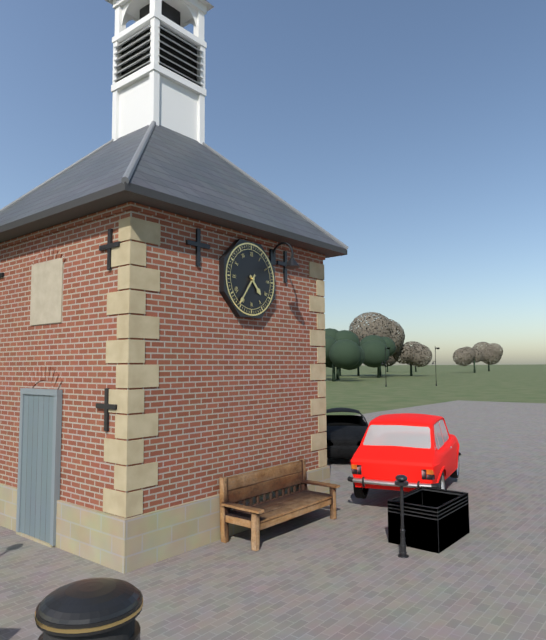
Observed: 4 h 36 min
